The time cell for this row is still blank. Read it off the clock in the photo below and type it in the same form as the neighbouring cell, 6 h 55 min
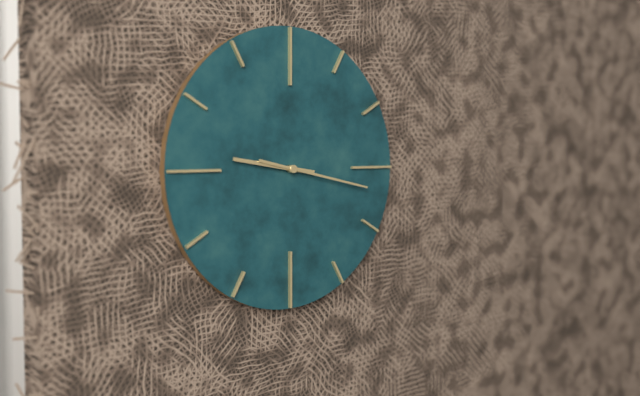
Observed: 9 h 17 min
